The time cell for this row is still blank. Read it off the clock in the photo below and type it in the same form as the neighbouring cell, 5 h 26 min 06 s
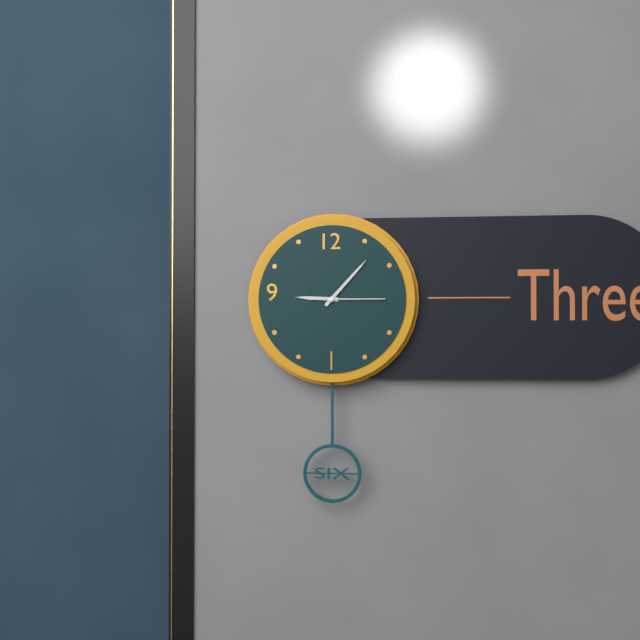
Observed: 9 h 07 min 15 s
